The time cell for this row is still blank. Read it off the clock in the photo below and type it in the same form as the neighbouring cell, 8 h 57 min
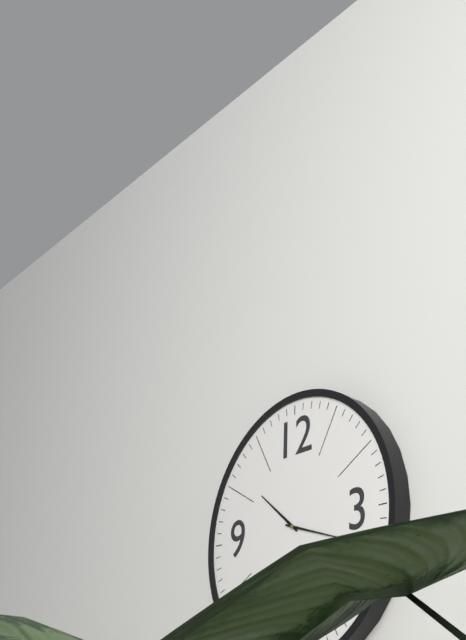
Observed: 10 h 18 min
